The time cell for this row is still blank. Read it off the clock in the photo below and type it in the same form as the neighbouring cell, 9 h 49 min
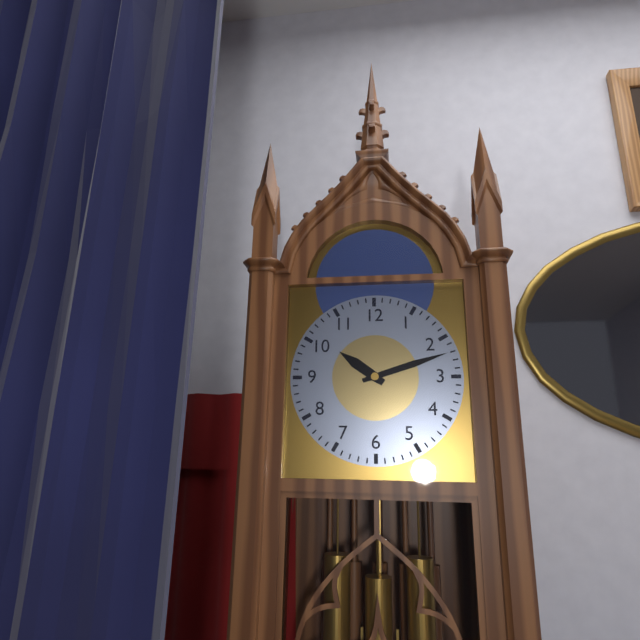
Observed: 10 h 12 min
